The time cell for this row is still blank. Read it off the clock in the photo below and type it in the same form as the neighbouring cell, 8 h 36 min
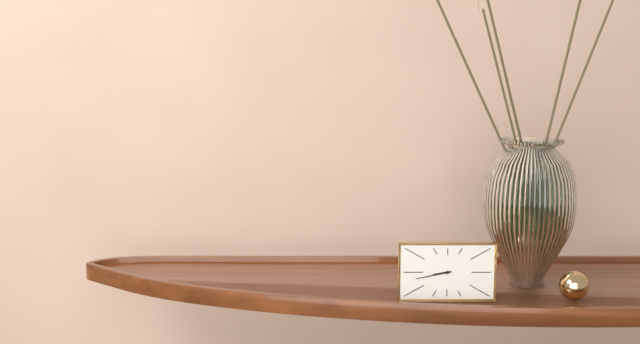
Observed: 8 h 43 min
